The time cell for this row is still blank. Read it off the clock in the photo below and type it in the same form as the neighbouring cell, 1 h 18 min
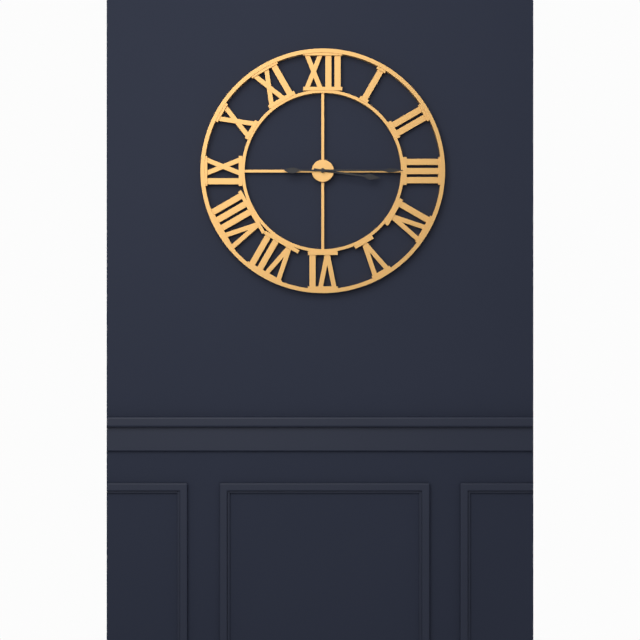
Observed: 3 h 15 min
